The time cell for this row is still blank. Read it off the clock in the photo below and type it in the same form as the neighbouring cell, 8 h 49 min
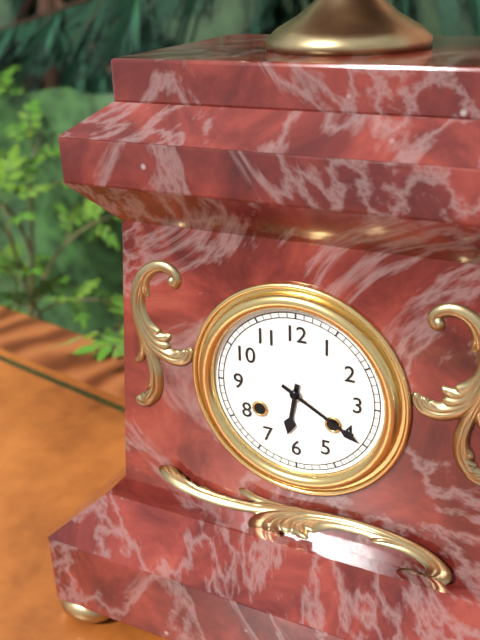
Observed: 6 h 20 min
